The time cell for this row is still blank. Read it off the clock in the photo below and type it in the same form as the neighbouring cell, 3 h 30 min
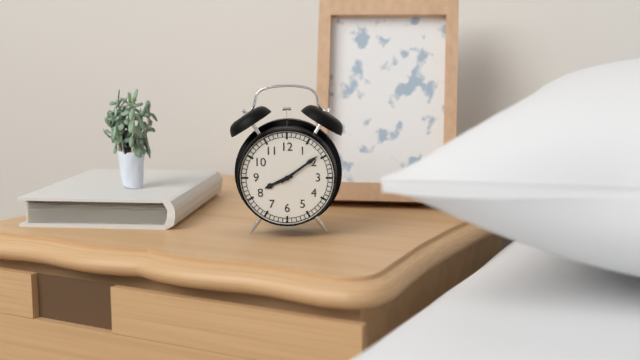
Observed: 8 h 09 min
